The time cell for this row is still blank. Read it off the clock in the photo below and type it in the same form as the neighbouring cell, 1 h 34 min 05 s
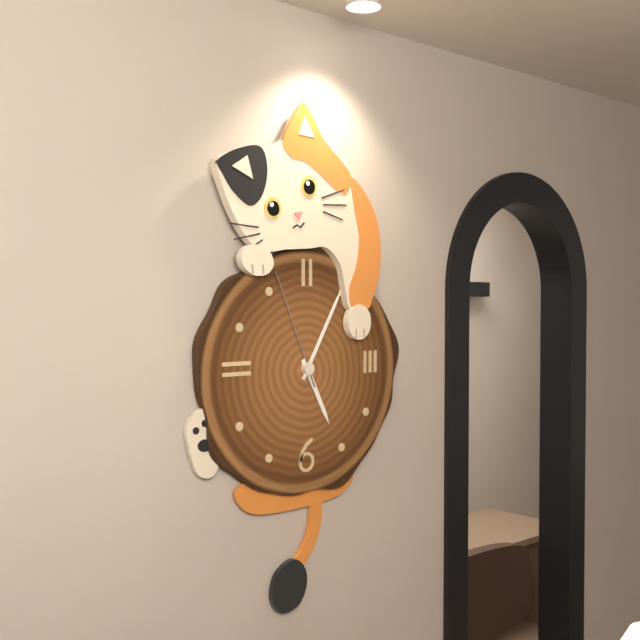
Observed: 5 h 05 min 56 s
